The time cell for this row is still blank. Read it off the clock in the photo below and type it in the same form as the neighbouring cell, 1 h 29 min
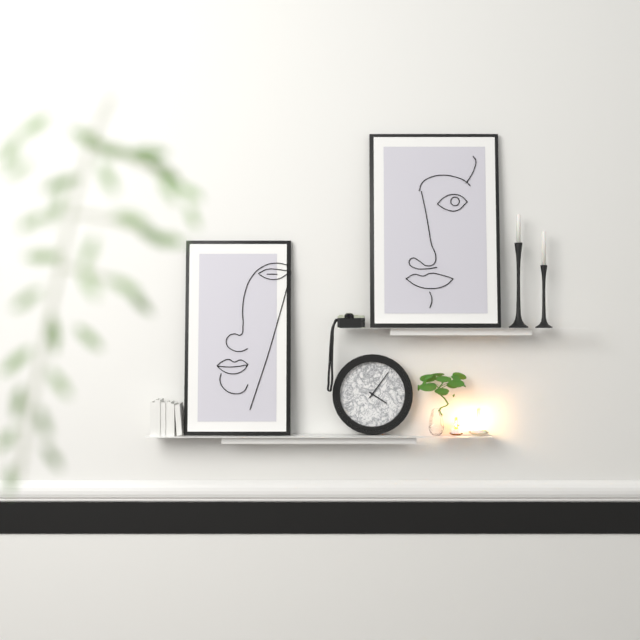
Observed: 4 h 06 min
